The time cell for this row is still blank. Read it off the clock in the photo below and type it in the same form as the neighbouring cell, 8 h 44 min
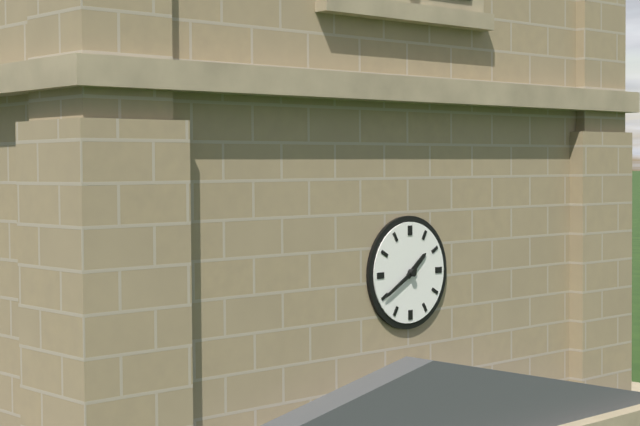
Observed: 1 h 40 min
